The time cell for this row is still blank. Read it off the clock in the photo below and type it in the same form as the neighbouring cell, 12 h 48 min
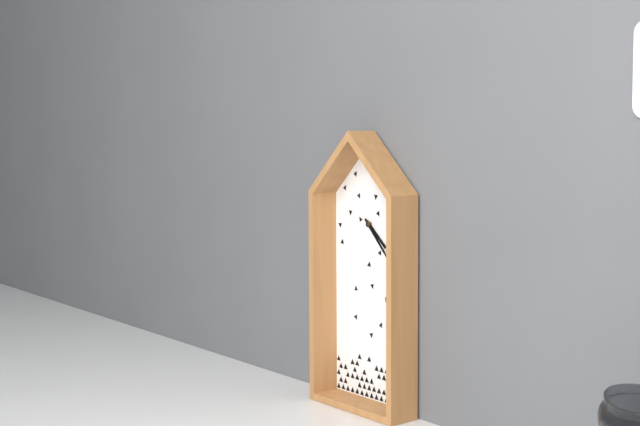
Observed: 4 h 23 min
